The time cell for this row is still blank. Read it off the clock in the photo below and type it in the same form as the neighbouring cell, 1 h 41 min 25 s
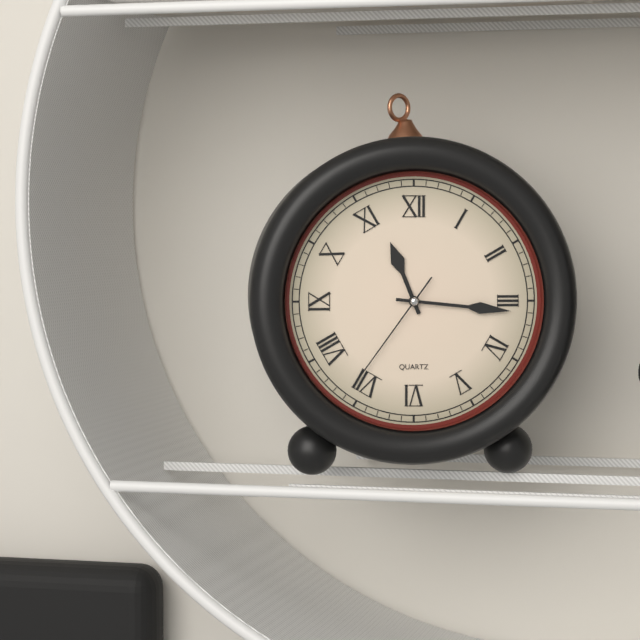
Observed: 11 h 16 min 36 s
